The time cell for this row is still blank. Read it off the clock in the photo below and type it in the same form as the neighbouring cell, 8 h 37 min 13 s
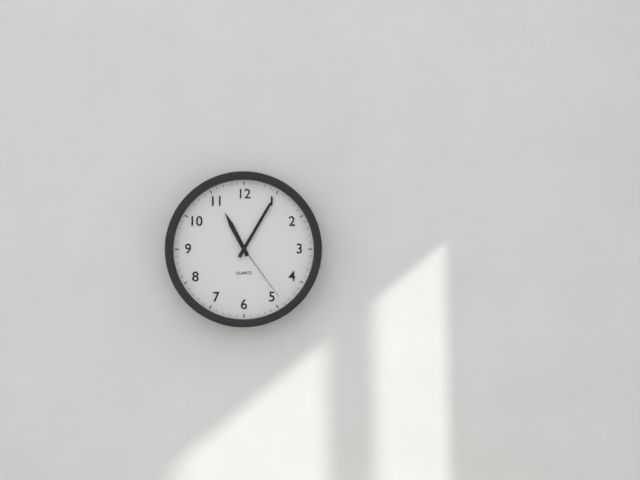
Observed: 11 h 05 min 24 s
